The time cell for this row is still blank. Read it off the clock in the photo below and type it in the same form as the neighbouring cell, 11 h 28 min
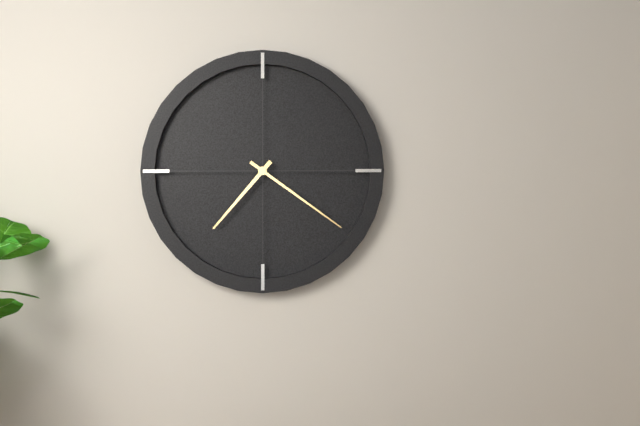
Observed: 7 h 21 min
